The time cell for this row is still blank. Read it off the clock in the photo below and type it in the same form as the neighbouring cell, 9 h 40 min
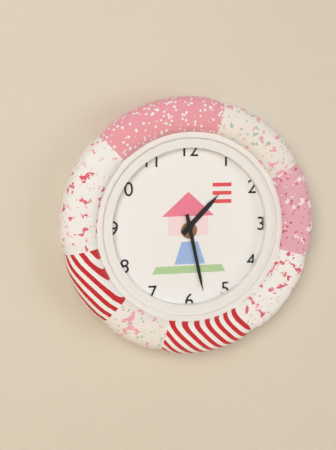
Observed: 1 h 28 min
